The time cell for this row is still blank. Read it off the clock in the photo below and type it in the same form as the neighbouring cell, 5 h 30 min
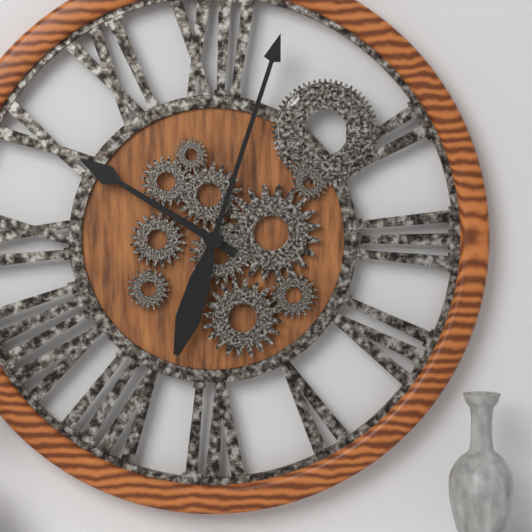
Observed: 10 h 03 min
